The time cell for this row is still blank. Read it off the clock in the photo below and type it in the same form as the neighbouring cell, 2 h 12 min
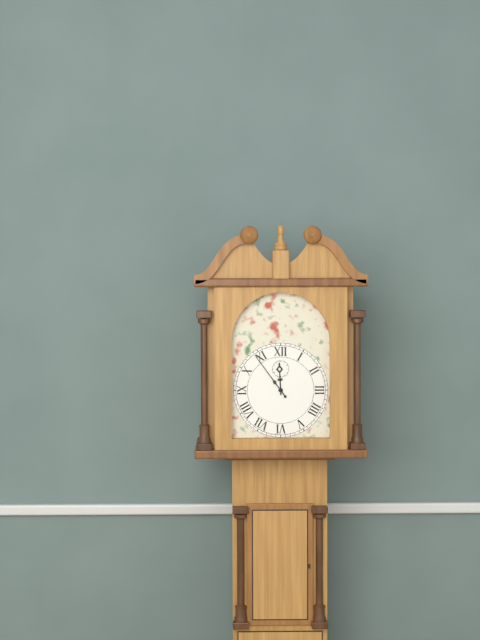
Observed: 11 h 54 min
